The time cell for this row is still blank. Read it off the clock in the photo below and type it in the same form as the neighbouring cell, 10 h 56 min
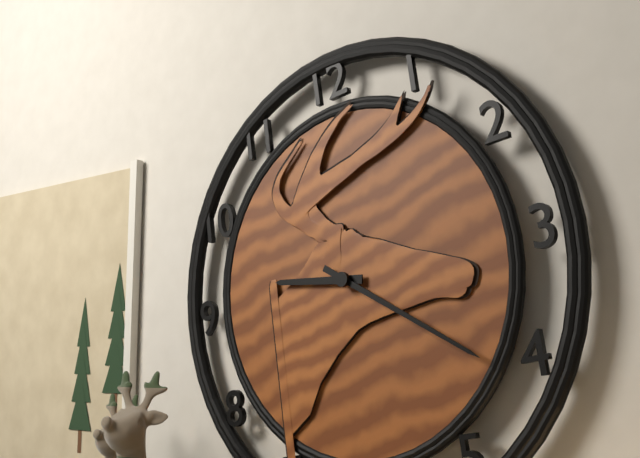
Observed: 9 h 21 min
